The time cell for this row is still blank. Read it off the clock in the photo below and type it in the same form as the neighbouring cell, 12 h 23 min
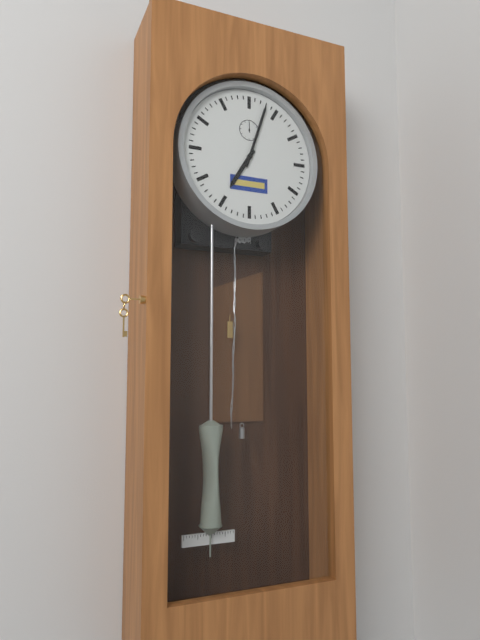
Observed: 7 h 03 min
